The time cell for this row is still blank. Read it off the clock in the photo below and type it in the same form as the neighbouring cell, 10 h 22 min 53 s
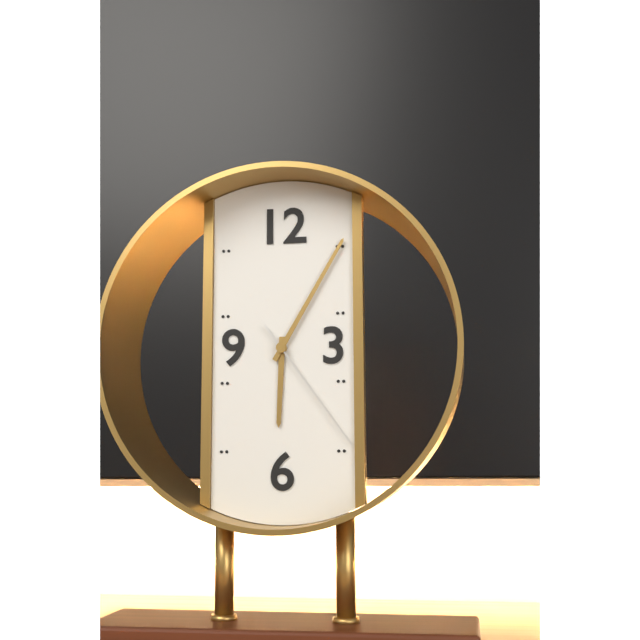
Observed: 6 h 05 min 24 s
